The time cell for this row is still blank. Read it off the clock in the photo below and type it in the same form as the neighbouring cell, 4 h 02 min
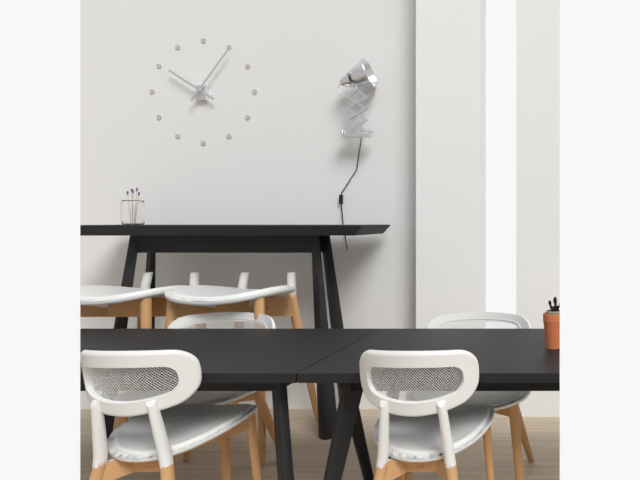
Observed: 10 h 06 min
